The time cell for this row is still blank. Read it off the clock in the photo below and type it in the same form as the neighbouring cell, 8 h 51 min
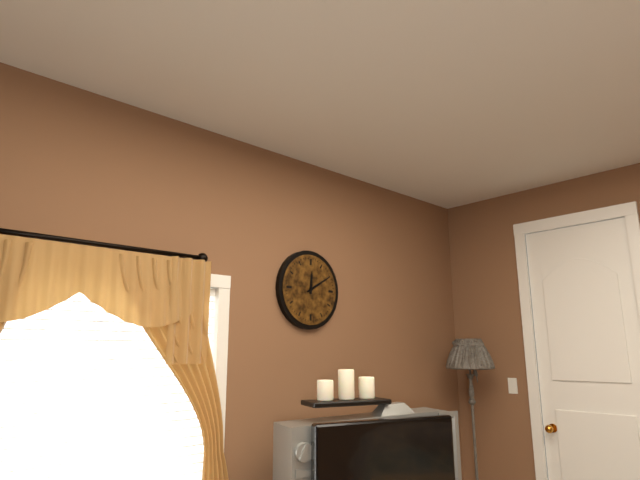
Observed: 12 h 10 min
